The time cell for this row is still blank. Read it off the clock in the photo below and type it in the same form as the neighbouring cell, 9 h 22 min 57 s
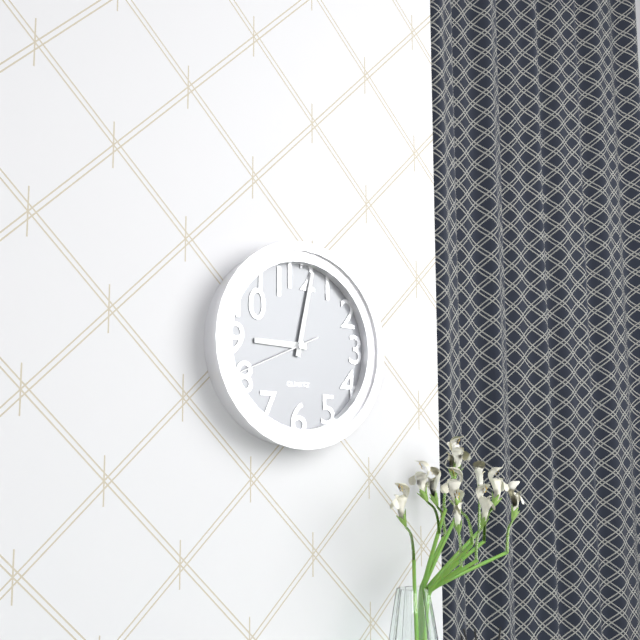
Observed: 9 h 02 min 41 s
